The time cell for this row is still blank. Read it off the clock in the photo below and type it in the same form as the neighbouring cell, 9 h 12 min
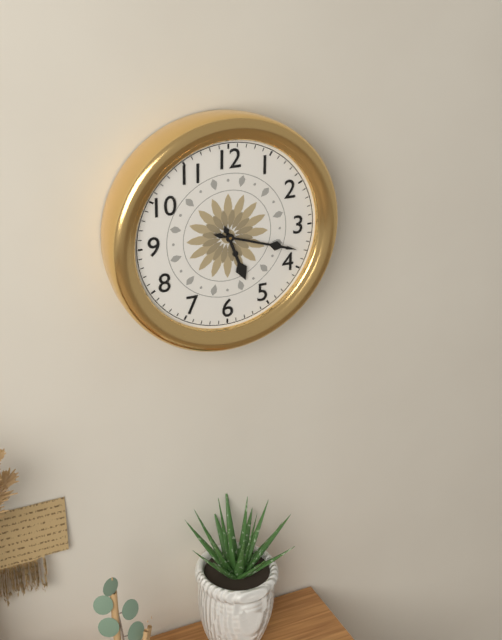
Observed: 5 h 18 min
